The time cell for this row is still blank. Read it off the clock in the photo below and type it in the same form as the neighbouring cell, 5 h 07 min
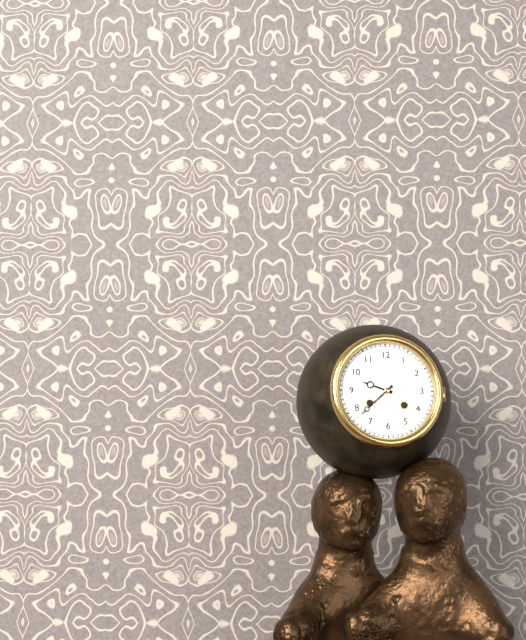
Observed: 9 h 38 min
